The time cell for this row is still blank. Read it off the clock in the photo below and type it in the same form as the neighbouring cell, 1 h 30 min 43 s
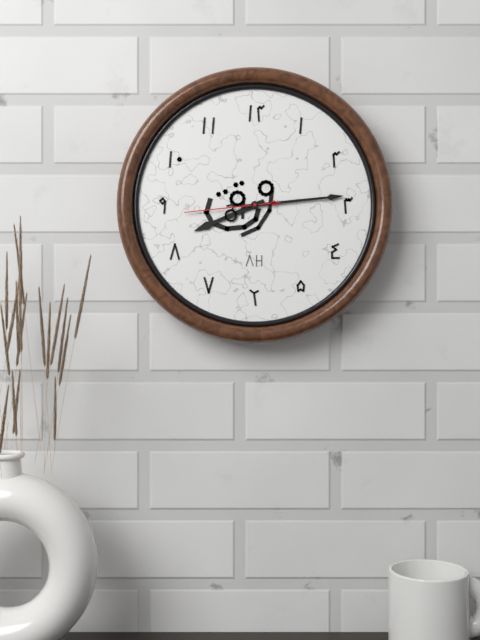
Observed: 8 h 14 min 44 s
